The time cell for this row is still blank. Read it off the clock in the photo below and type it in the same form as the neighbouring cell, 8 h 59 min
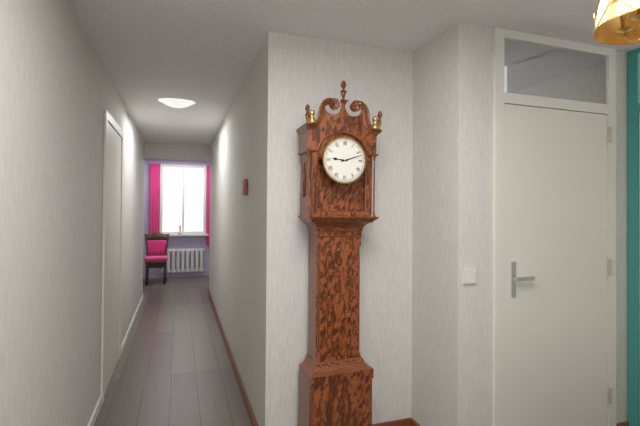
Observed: 9 h 12 min
